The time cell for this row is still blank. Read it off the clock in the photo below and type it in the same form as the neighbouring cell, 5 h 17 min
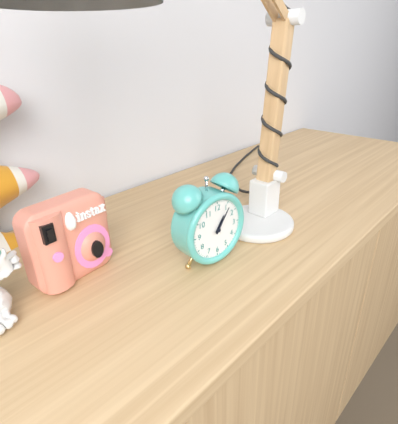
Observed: 1 h 06 min
